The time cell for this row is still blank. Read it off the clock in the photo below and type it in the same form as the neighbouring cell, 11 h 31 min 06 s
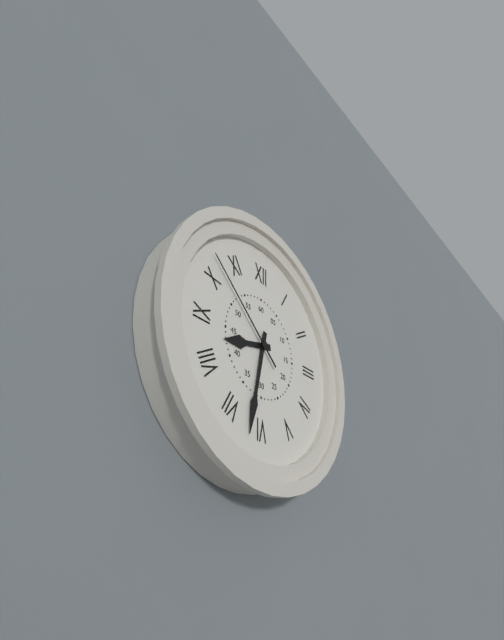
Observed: 8 h 32 min 52 s
